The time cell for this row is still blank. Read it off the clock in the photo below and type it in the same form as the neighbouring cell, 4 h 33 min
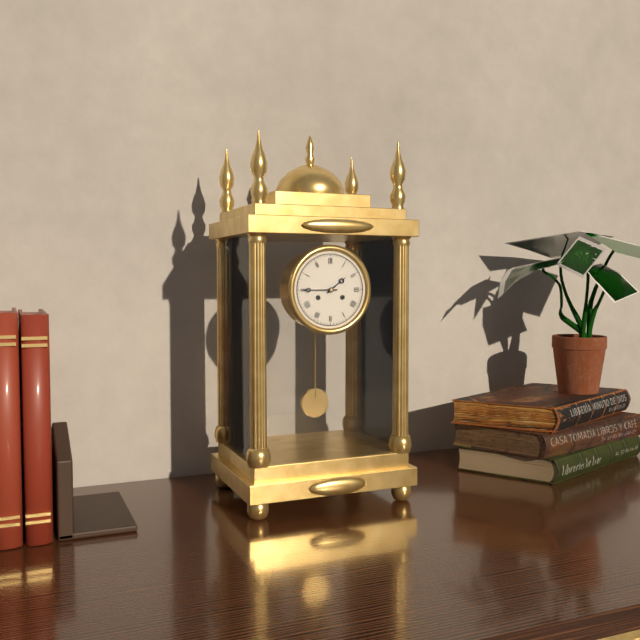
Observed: 1 h 45 min
